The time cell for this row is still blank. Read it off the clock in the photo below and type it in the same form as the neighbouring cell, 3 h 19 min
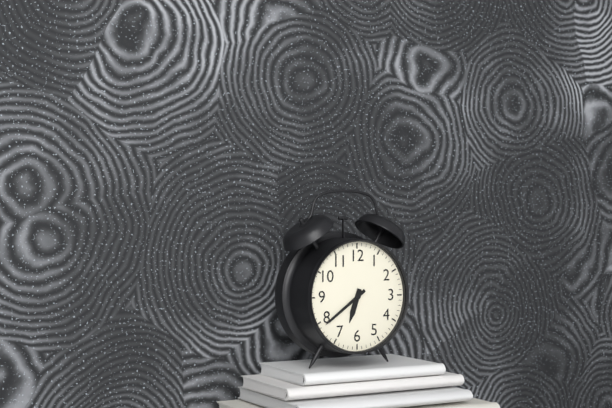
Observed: 6 h 39 min
